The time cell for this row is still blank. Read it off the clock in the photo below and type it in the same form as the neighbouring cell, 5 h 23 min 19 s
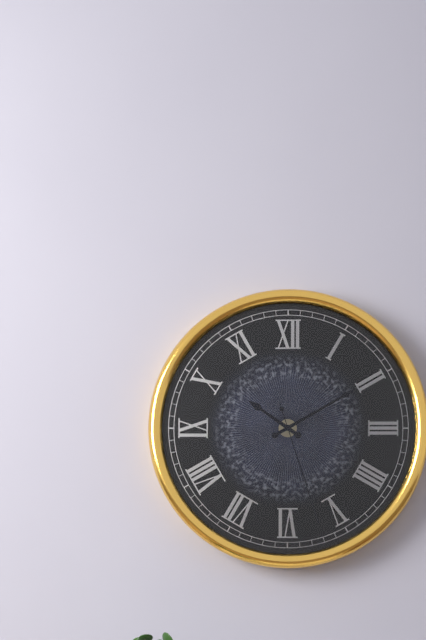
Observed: 10 h 10 min 27 s
